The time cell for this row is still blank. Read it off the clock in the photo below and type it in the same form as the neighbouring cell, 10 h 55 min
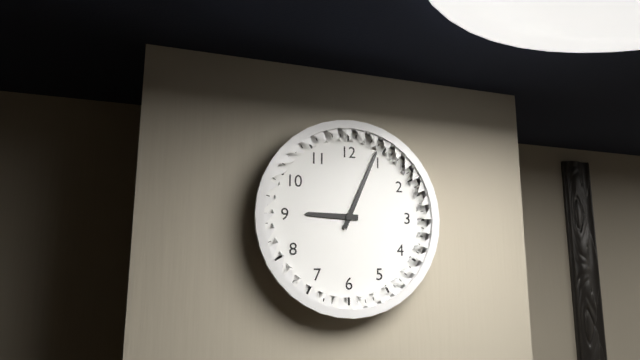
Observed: 9 h 04 min
